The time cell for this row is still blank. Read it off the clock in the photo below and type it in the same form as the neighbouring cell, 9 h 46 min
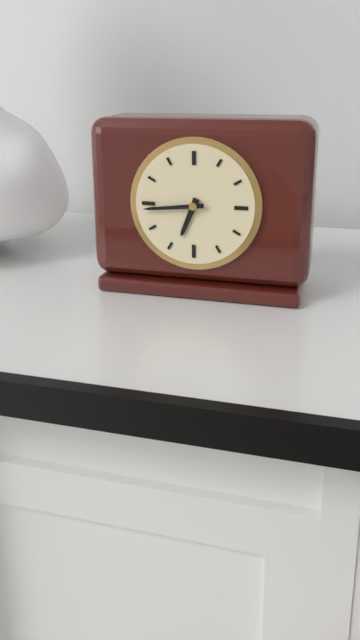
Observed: 6 h 44 min
